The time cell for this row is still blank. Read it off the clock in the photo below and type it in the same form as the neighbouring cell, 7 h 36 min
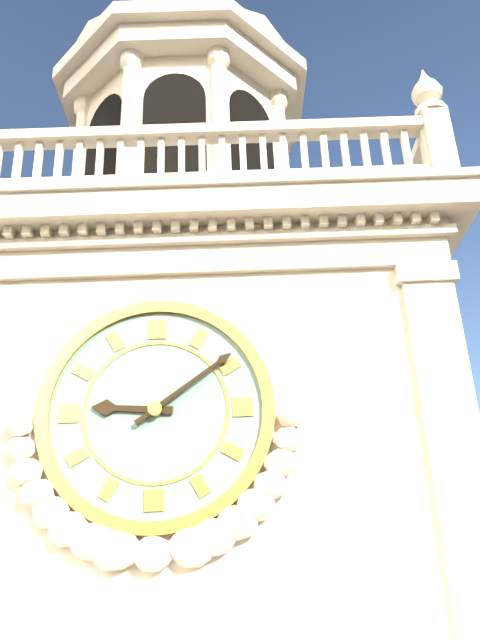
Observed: 9 h 09 min
